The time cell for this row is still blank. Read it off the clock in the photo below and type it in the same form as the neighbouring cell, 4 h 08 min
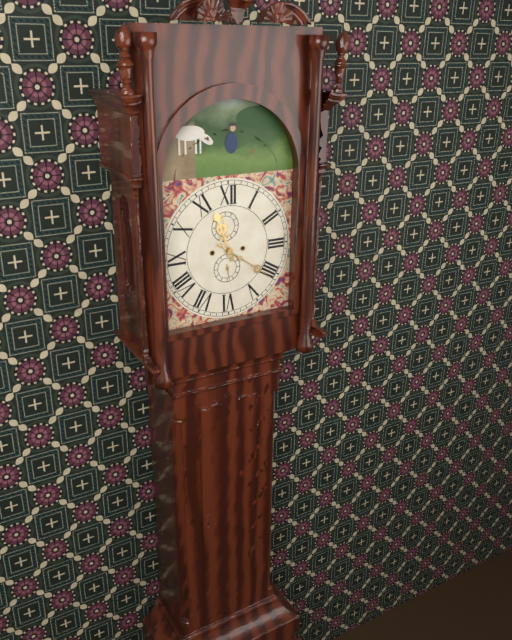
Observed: 11 h 21 min
